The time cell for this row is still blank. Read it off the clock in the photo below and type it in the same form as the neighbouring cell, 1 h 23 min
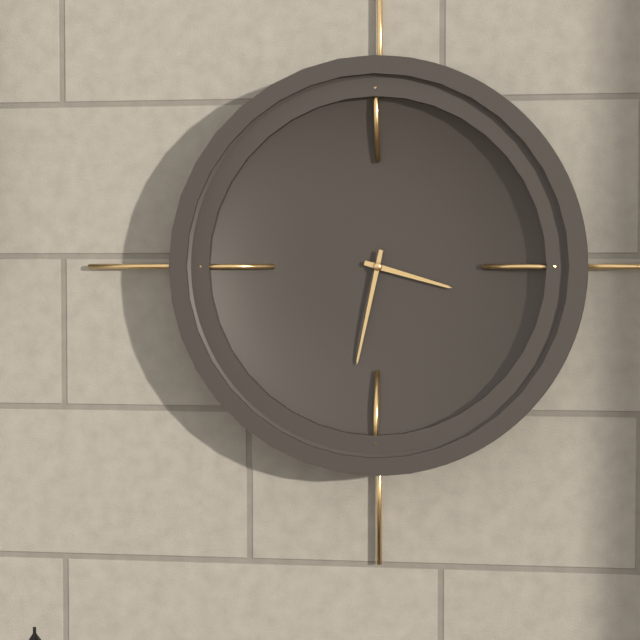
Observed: 3 h 32 min
